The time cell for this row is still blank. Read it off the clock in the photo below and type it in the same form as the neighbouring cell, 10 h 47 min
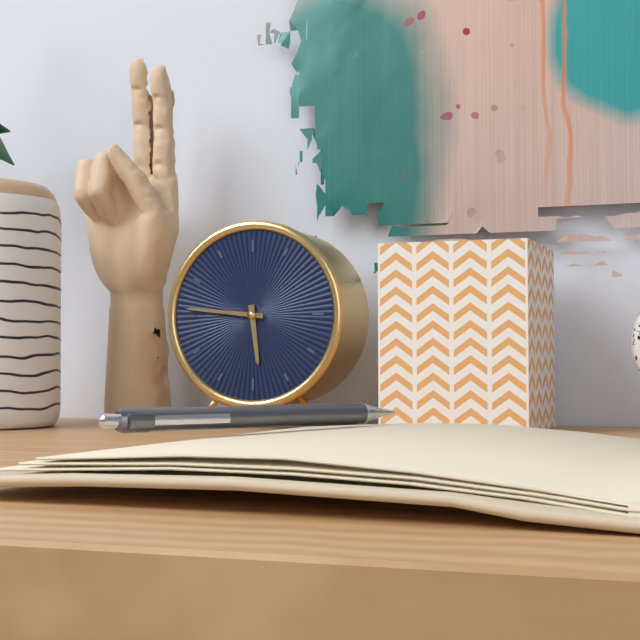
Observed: 5 h 46 min
